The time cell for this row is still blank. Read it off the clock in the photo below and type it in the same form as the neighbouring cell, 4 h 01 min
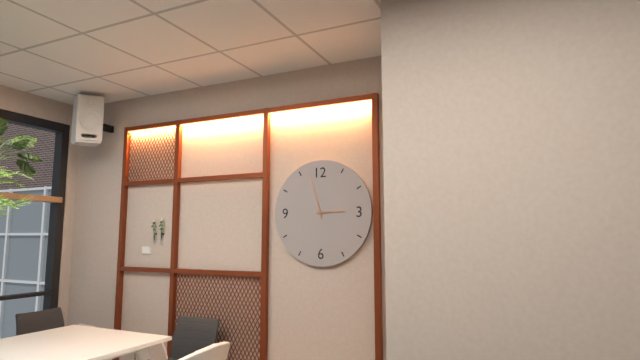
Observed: 2 h 57 min
